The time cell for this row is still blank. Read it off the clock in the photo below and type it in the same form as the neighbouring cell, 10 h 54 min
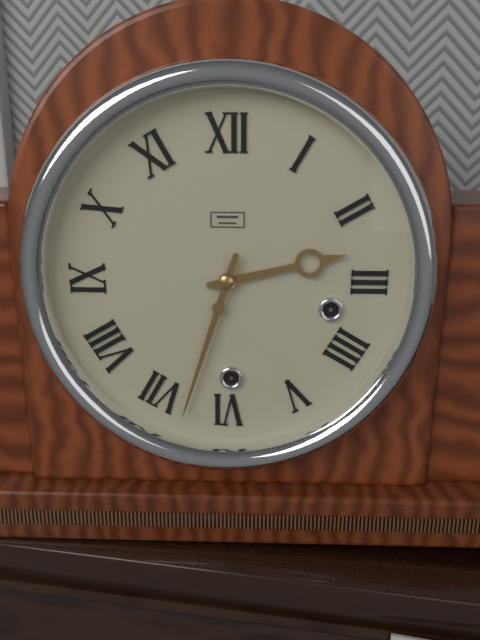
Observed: 2 h 33 min
